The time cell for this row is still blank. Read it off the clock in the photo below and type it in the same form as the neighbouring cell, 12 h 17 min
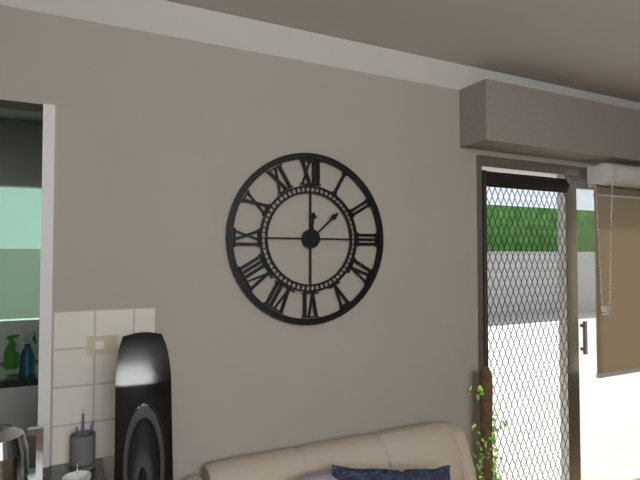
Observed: 12 h 08 min
